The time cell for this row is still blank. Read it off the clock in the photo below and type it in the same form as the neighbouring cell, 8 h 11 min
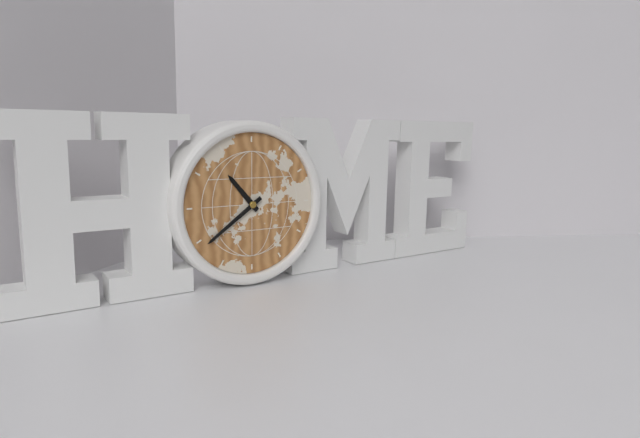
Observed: 10 h 39 min
